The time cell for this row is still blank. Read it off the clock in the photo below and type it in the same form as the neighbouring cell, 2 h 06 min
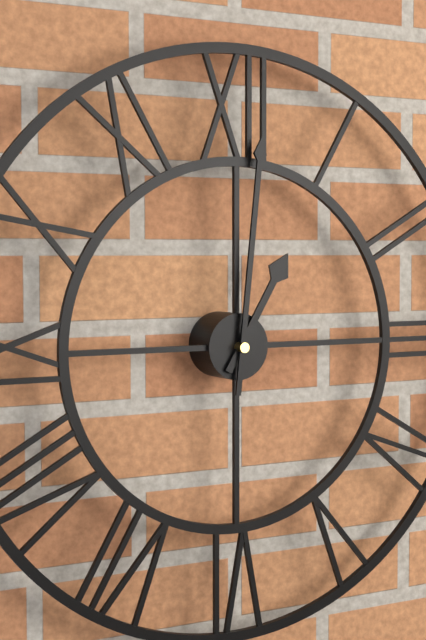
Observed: 1 h 01 min
